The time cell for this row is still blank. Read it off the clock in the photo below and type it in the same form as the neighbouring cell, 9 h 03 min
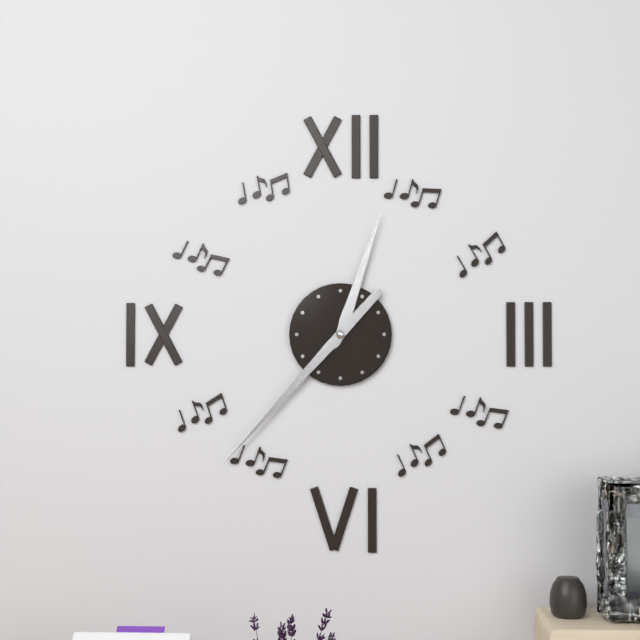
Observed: 12 h 37 min
